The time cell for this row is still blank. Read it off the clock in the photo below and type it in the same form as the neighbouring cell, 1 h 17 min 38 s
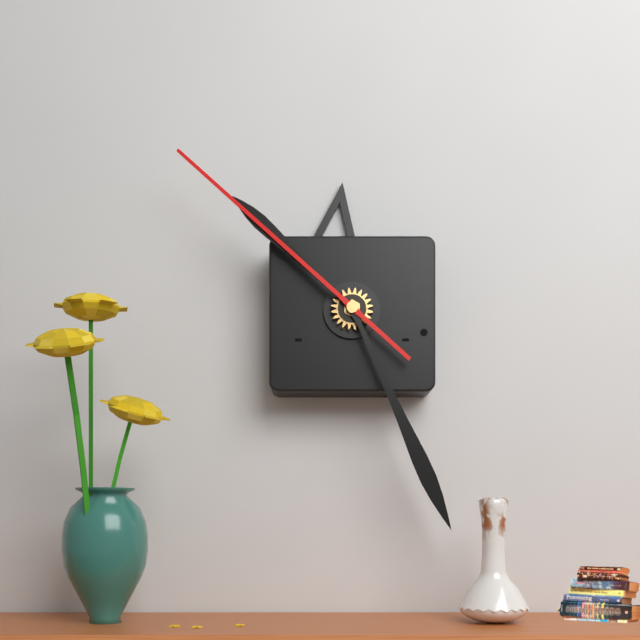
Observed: 10 h 26 min 52 s
